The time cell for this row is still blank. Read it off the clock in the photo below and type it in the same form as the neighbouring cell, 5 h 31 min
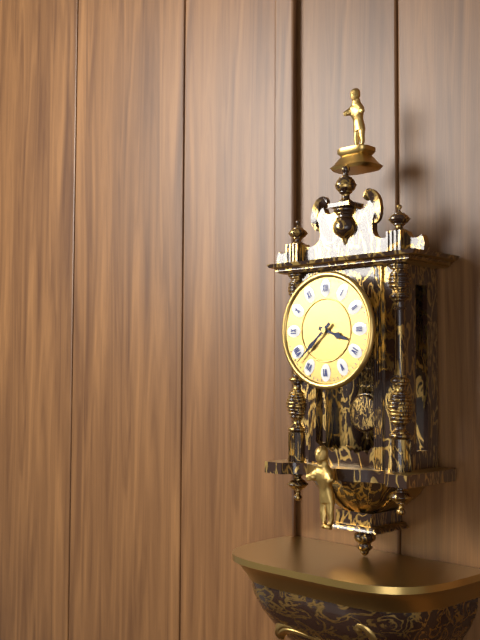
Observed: 3 h 38 min
